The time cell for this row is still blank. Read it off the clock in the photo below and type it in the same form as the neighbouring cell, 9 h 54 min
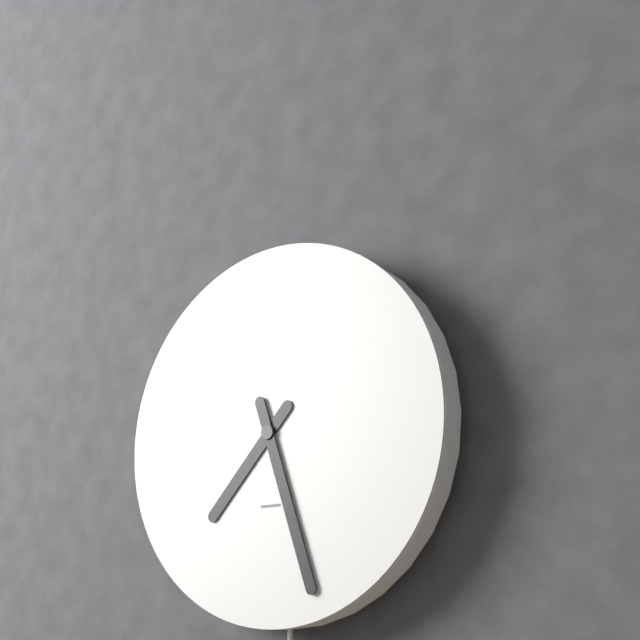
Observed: 7 h 27 min
